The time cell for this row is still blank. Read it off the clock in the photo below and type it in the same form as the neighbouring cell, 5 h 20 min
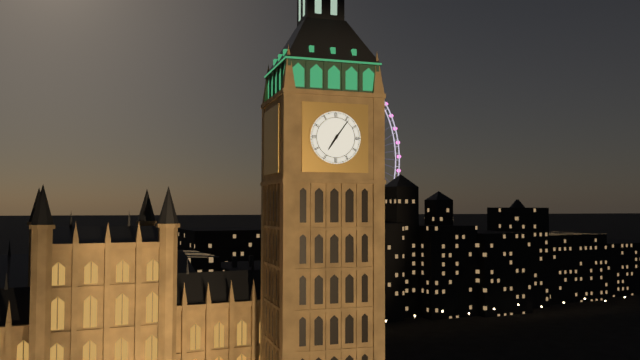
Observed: 7 h 06 min
